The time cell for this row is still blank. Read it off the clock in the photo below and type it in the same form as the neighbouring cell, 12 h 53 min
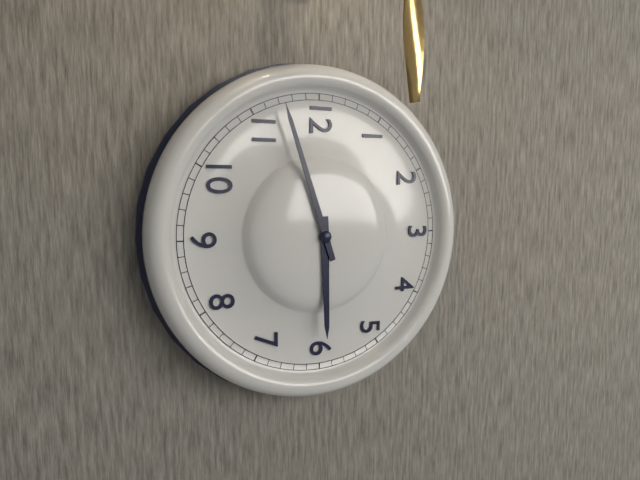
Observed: 5 h 57 min
